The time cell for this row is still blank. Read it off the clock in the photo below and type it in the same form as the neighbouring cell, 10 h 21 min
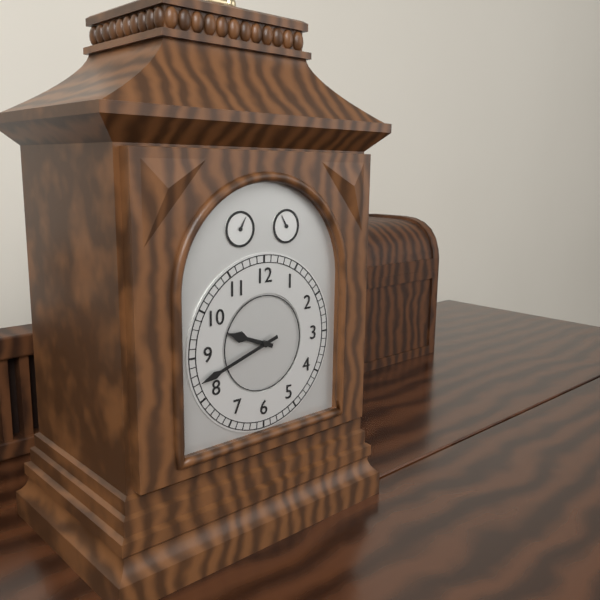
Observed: 9 h 42 min
